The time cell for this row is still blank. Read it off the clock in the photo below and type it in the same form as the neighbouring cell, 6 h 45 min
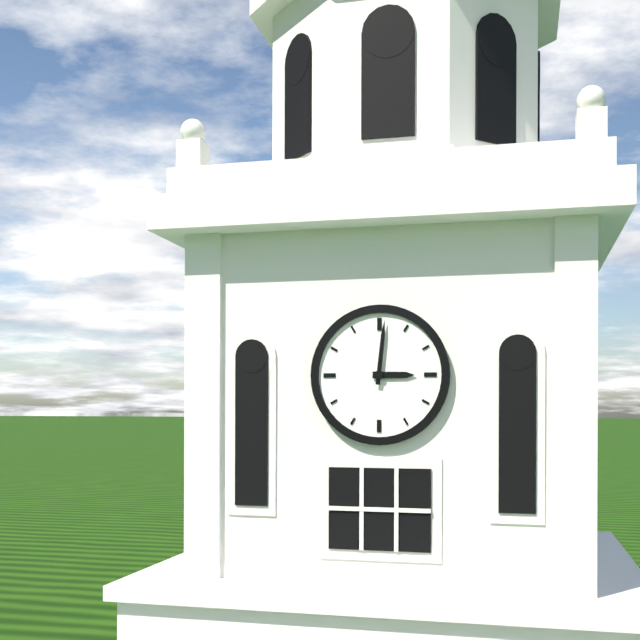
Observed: 3 h 01 min
